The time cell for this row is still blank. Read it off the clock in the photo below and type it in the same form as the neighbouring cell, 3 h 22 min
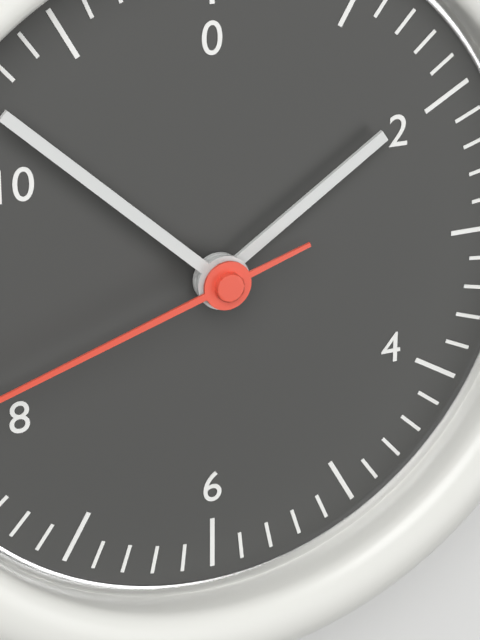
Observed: 1 h 52 min
